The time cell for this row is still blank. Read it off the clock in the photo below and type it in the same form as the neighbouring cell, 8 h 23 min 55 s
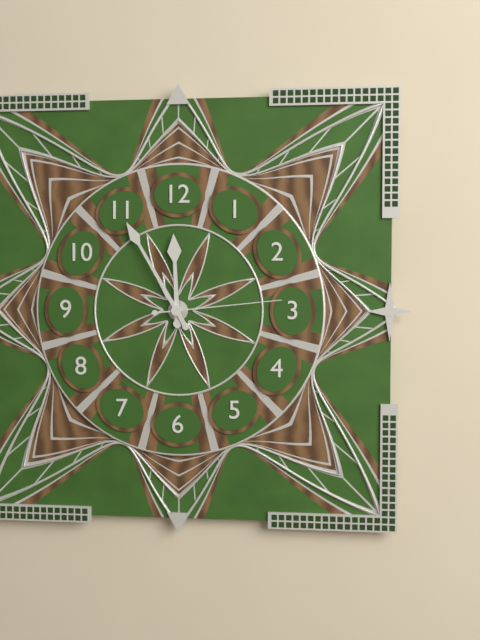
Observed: 11 h 55 min 14 s
